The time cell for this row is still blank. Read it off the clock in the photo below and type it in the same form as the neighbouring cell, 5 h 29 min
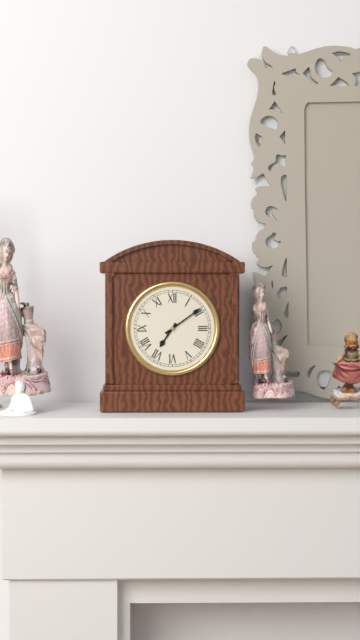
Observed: 7 h 09 min
